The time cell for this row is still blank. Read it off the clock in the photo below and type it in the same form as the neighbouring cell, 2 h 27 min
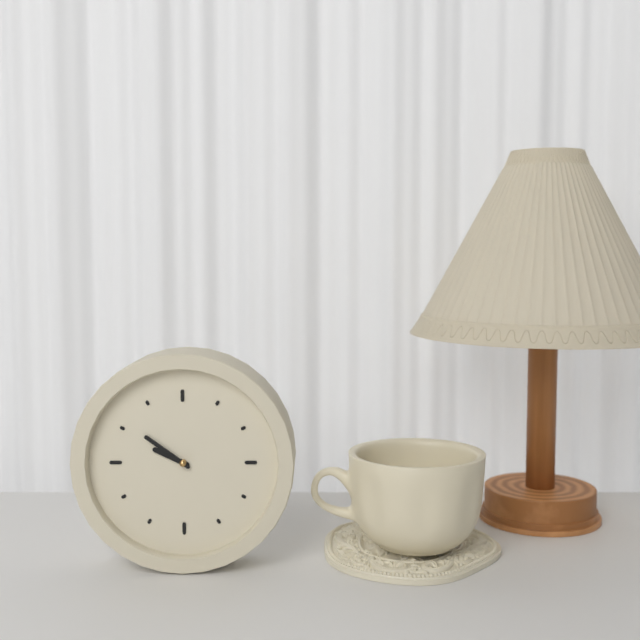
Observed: 9 h 51 min
